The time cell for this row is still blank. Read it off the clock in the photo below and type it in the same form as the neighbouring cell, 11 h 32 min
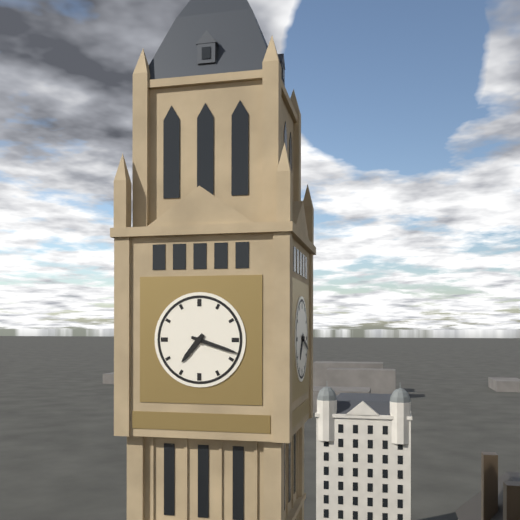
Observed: 7 h 18 min
